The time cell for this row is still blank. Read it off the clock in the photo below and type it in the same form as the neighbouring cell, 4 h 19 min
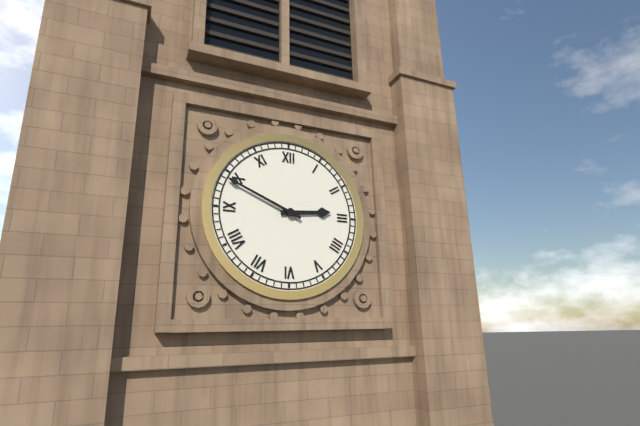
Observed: 2 h 49 min
